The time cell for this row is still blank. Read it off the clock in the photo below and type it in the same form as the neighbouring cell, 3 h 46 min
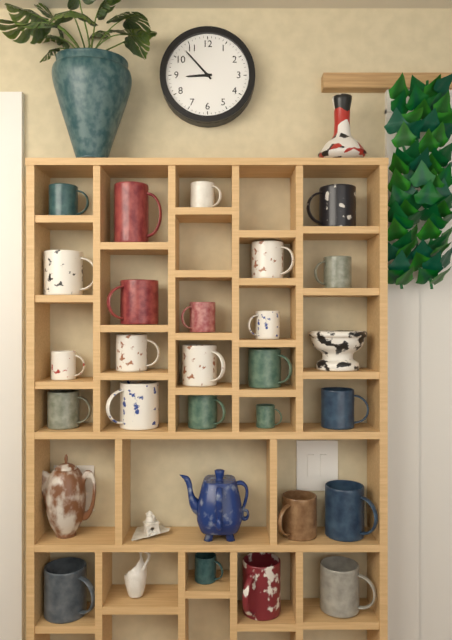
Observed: 8 h 53 min
